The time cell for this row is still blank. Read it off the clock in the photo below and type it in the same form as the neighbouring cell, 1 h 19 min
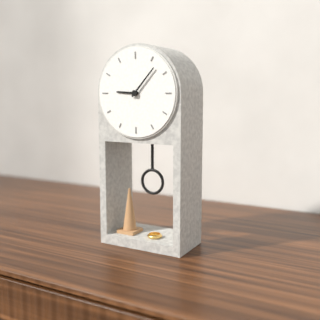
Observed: 9 h 07 min
